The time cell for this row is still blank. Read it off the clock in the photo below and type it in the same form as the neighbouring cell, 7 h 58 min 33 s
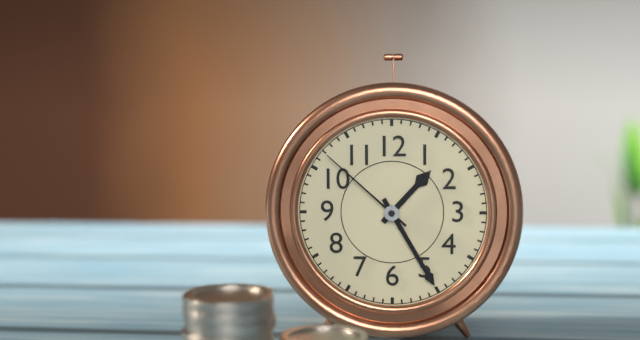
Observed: 1 h 25 min 52 s
